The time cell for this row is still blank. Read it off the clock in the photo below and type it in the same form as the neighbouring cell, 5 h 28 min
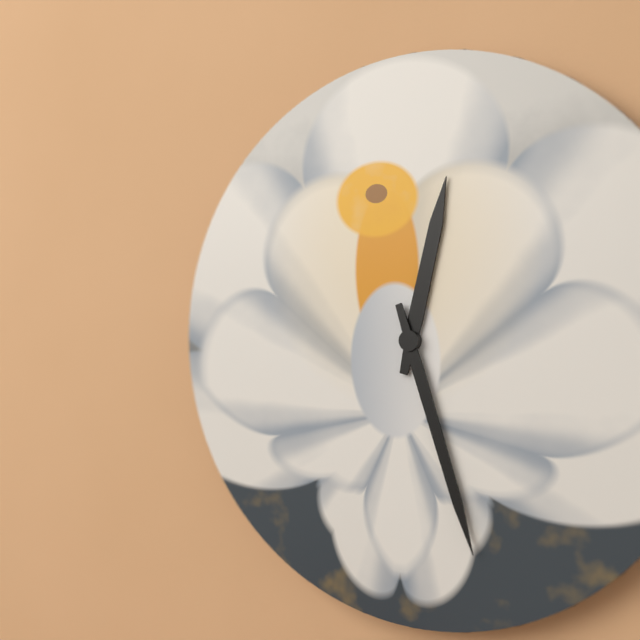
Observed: 12 h 27 min
